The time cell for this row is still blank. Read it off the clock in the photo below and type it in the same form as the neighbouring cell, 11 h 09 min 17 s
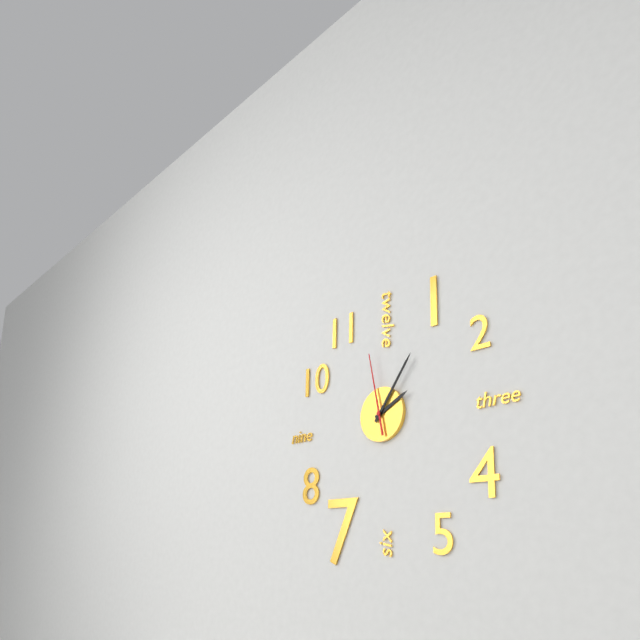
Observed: 2 h 06 min 58 s
